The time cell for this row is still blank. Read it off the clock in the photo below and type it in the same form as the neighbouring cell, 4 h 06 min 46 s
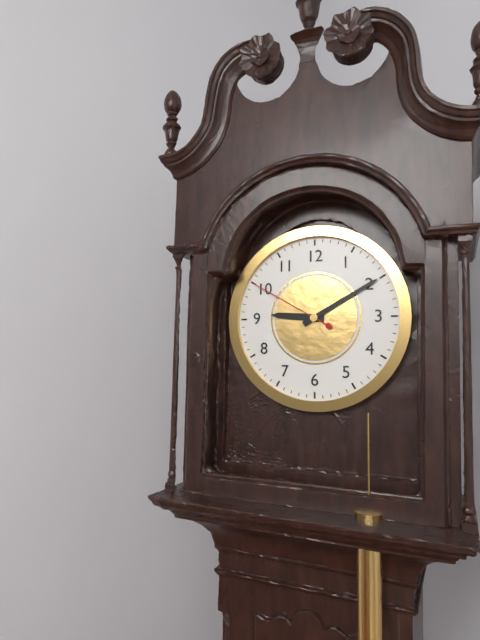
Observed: 9 h 10 min 50 s
